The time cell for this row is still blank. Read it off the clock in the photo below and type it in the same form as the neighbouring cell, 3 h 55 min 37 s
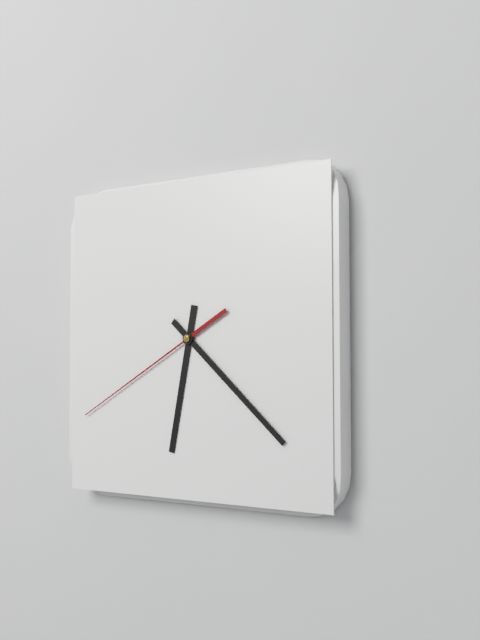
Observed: 6 h 22 min 40 s
